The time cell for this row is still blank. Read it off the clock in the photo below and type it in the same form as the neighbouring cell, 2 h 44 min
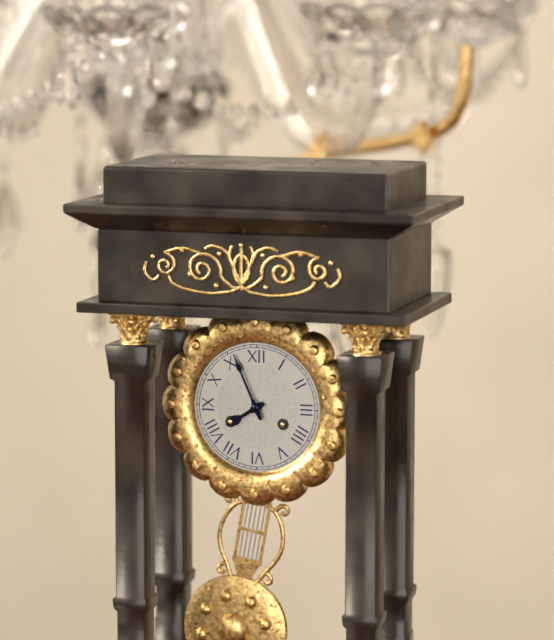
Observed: 7 h 56 min
